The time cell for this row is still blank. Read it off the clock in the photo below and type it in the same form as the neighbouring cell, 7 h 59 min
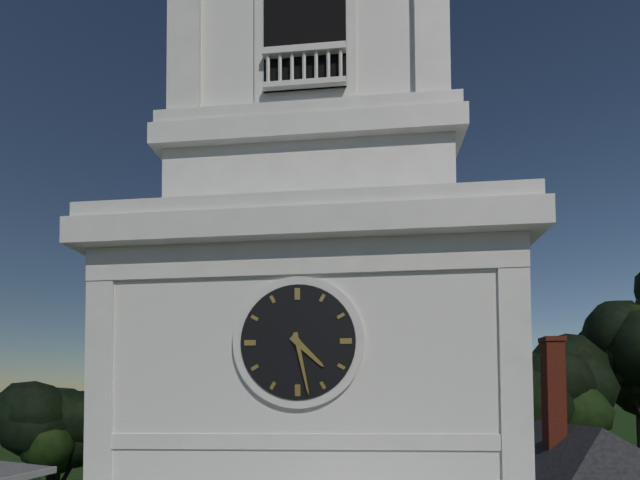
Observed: 4 h 28 min
